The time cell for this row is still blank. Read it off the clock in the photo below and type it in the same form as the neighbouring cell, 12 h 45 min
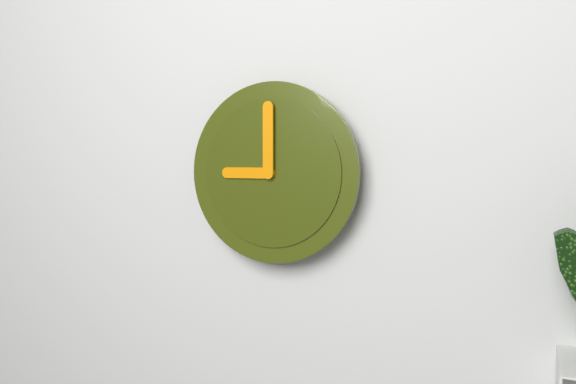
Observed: 9 h 00 min
